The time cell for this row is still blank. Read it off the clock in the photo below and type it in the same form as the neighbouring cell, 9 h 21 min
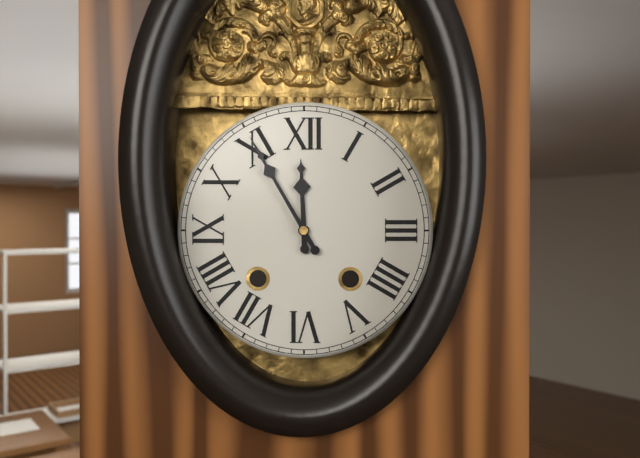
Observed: 11 h 55 min
